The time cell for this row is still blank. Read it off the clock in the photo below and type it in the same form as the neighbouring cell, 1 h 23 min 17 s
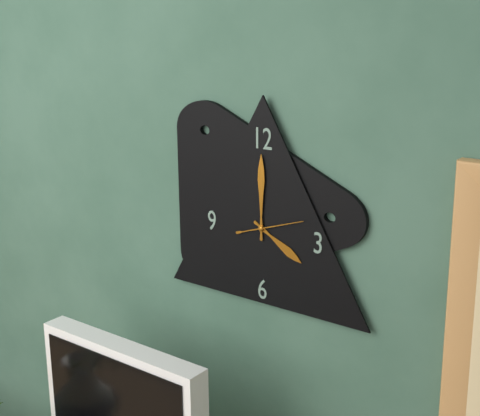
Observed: 4 h 00 min 12 s
